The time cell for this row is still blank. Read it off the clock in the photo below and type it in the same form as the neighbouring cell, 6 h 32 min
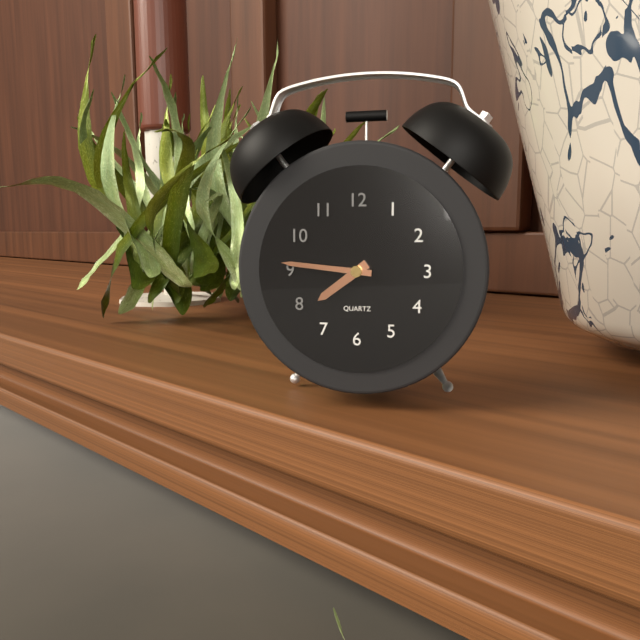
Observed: 7 h 46 min
